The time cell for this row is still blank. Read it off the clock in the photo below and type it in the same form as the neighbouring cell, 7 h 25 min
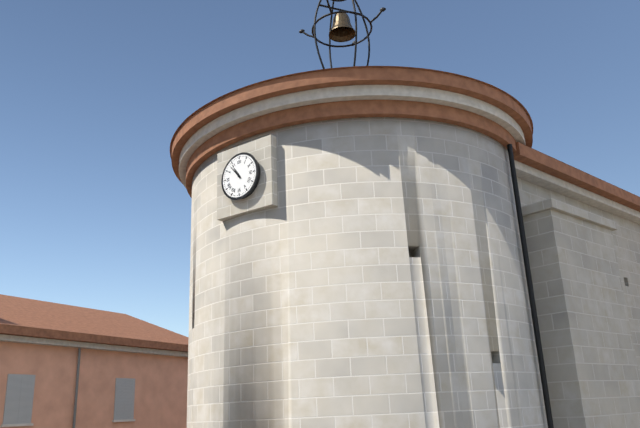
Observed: 10 h 53 min
